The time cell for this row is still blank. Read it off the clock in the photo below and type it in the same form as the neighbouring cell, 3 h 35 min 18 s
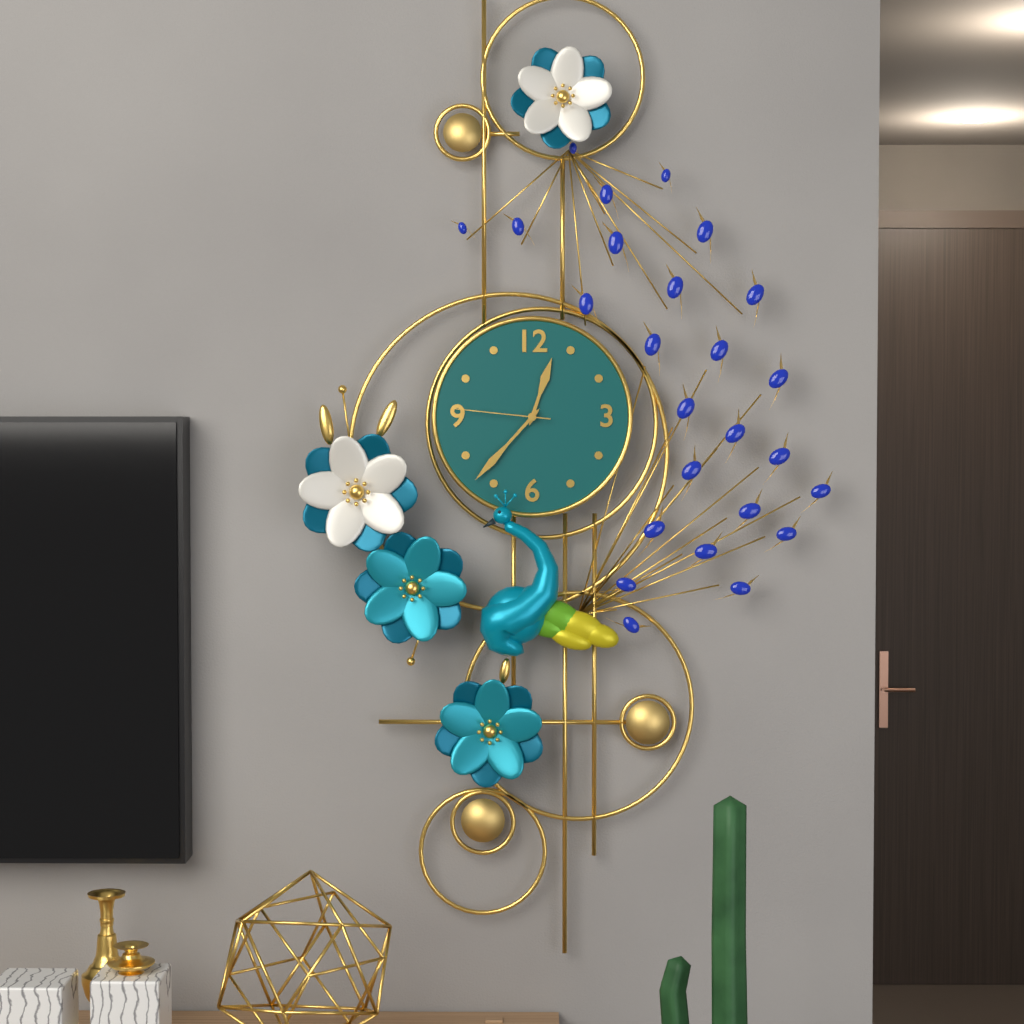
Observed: 12 h 37 min 46 s
